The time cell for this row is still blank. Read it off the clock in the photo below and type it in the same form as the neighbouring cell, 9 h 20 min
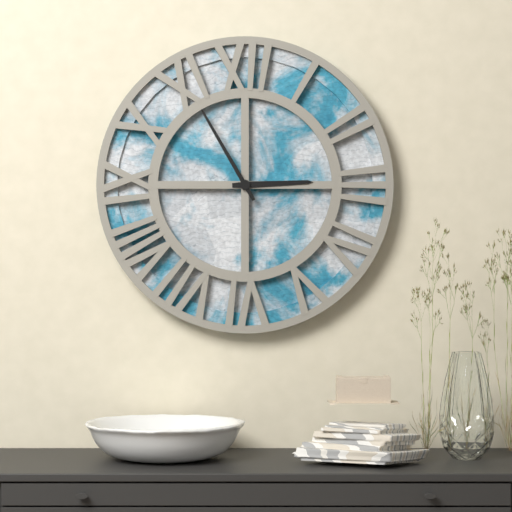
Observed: 2 h 55 min
